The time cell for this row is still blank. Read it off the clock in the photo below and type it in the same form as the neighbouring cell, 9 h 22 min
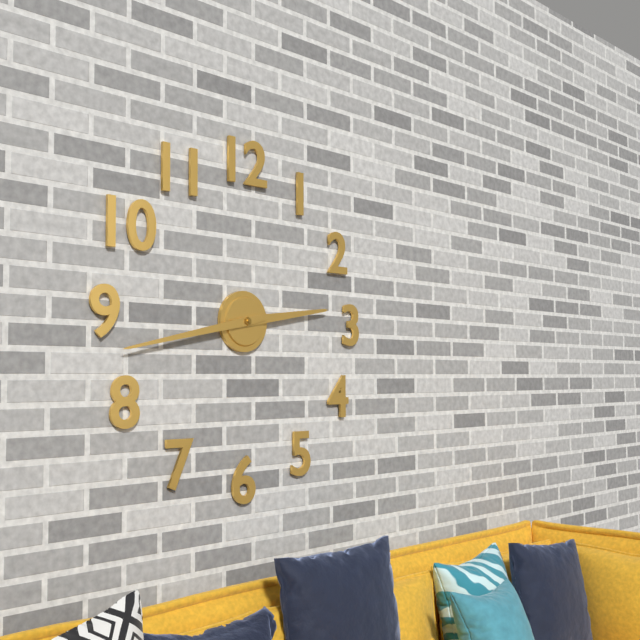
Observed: 2 h 43 min
